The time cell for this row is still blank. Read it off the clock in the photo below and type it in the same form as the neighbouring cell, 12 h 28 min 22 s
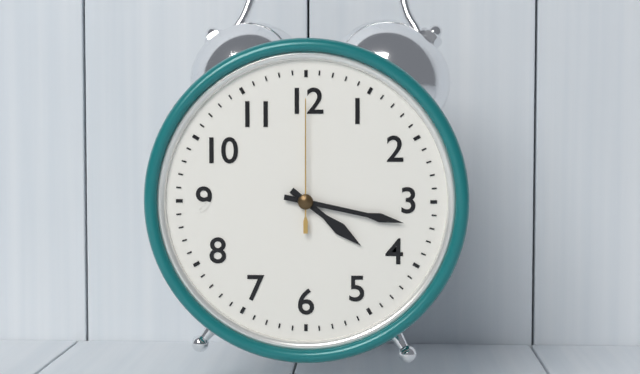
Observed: 4 h 17 min 00 s
